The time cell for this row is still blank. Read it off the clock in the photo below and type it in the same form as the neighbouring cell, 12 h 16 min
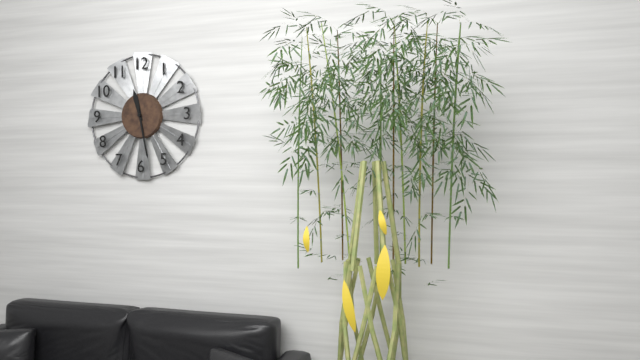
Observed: 11 h 28 min
